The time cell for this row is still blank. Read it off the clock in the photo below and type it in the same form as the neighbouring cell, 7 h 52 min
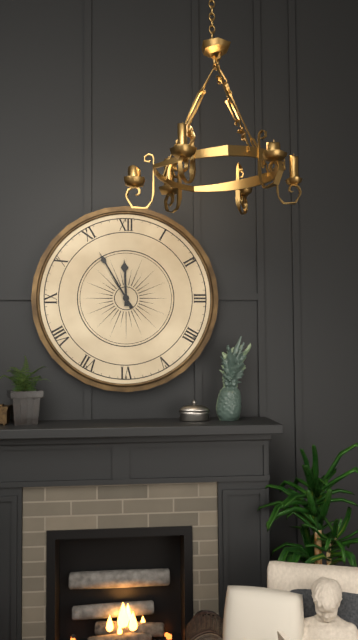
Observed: 11 h 55 min
